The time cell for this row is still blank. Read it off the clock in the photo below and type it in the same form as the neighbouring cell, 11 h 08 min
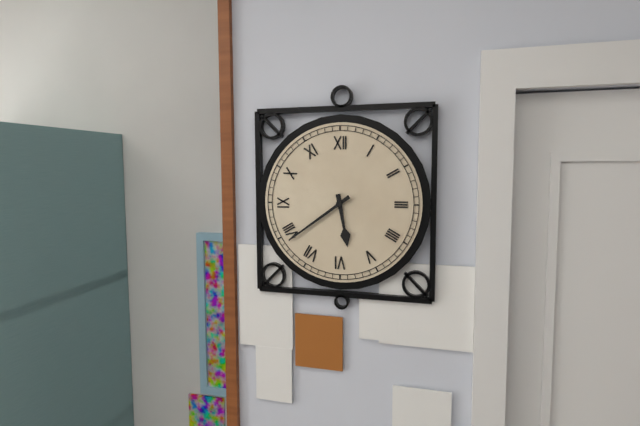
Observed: 5 h 39 min
